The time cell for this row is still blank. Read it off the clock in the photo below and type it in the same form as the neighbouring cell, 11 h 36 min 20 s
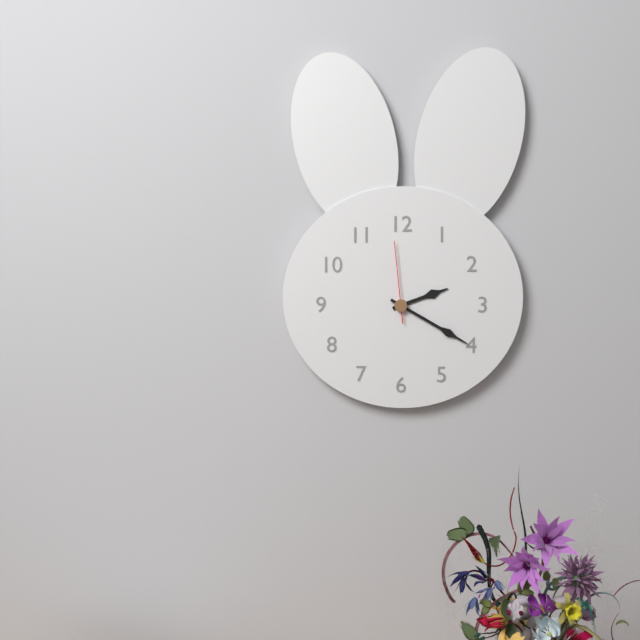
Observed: 2 h 20 min 59 s
